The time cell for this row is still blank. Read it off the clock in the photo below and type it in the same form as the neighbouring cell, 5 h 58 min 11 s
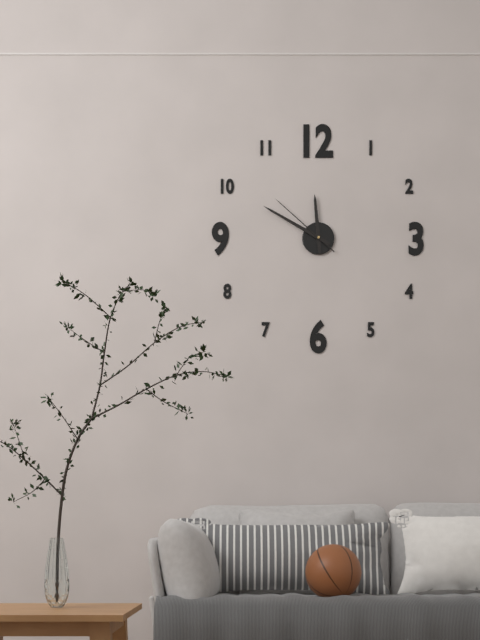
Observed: 11 h 50 min 52 s
